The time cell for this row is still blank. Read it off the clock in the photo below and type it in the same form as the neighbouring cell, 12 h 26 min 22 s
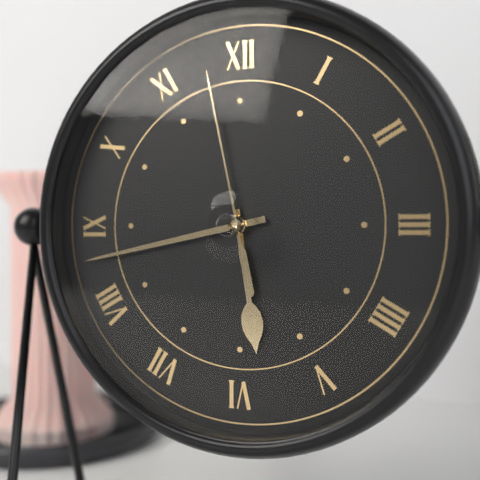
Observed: 5 h 43 min 58 s
